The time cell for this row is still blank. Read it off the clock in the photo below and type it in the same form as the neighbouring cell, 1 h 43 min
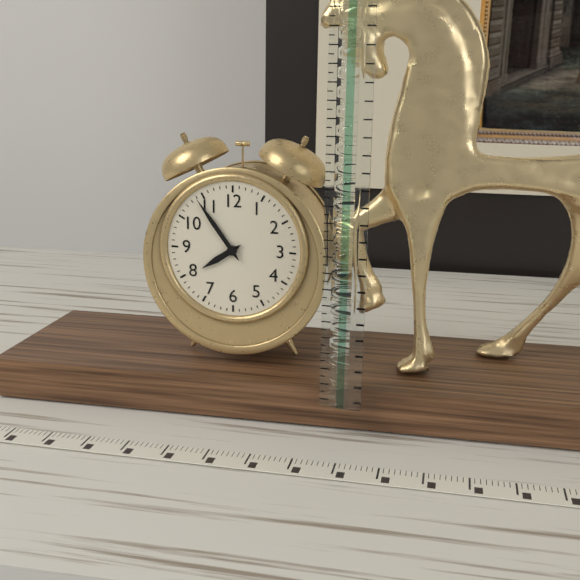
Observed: 7 h 54 min
